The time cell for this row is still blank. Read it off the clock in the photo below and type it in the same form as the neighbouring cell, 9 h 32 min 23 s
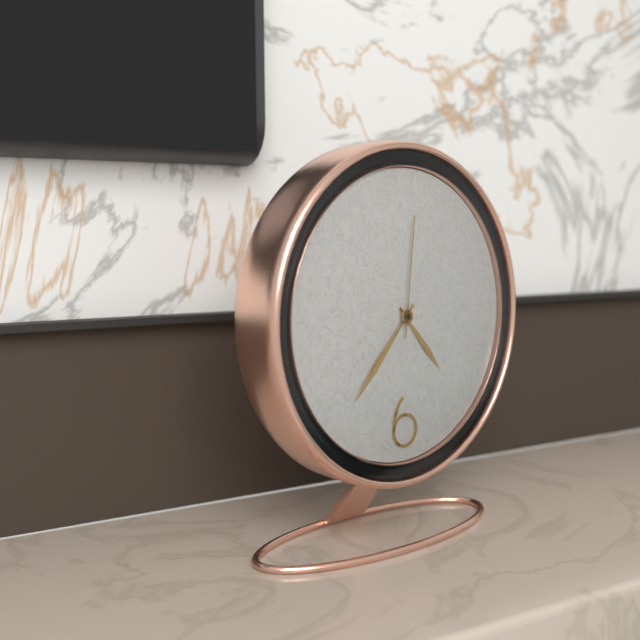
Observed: 4 h 37 min 01 s
